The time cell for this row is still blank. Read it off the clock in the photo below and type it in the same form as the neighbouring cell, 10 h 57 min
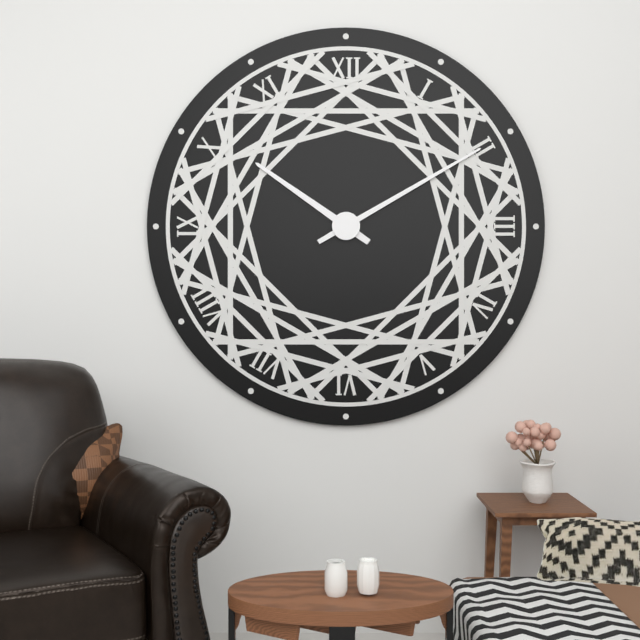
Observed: 10 h 10 min
